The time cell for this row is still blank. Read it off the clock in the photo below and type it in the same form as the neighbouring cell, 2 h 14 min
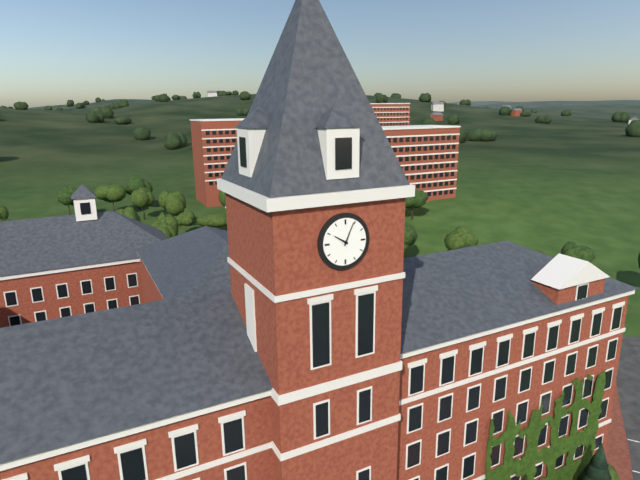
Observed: 10 h 04 min
